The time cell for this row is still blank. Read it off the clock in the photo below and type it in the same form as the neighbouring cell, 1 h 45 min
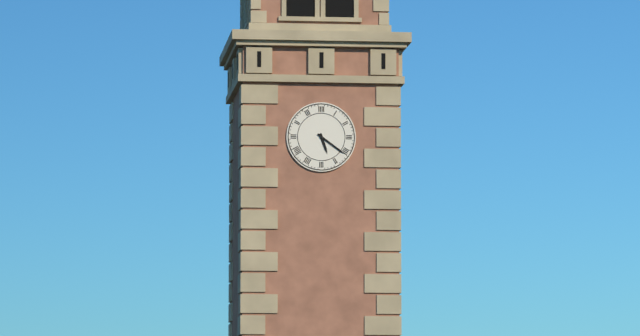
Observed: 5 h 21 min
